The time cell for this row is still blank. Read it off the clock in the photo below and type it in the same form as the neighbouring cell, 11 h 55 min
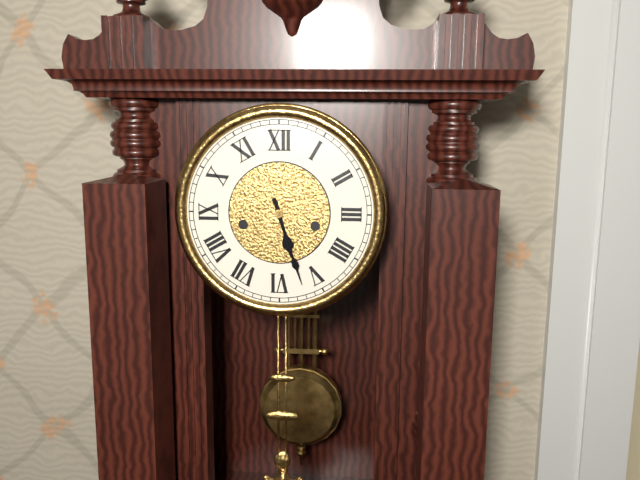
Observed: 5 h 27 min
